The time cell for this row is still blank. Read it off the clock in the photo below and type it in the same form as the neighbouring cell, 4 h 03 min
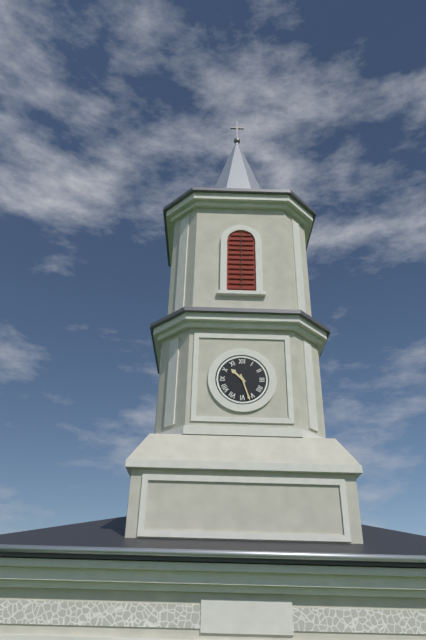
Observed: 10 h 27 min
